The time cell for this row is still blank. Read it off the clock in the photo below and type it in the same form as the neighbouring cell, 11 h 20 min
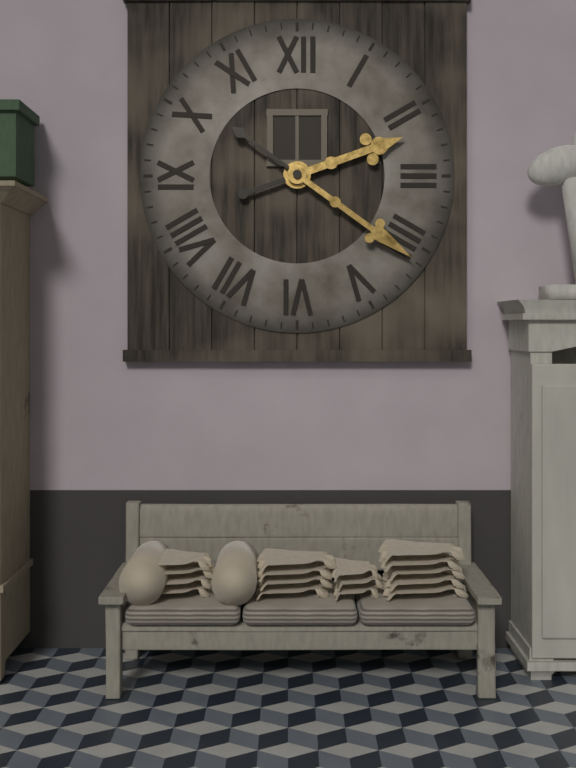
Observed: 2 h 21 min
